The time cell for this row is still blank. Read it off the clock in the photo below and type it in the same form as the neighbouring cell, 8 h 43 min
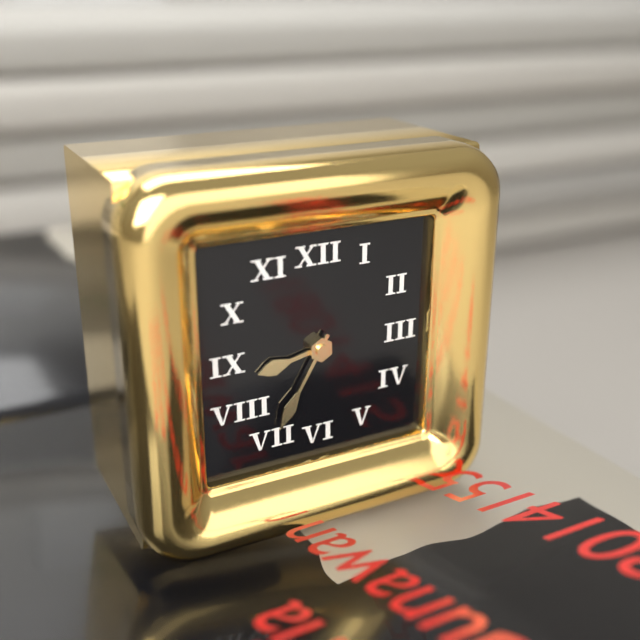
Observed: 8 h 35 min
